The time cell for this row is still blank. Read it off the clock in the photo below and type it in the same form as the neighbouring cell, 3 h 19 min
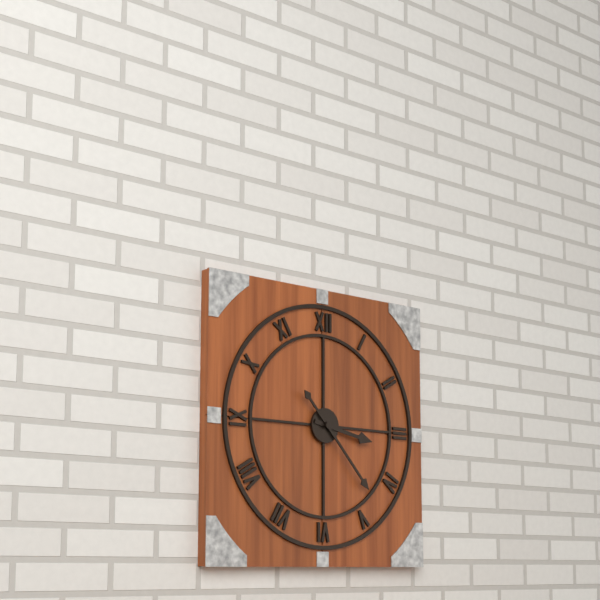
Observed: 3 h 23 min
